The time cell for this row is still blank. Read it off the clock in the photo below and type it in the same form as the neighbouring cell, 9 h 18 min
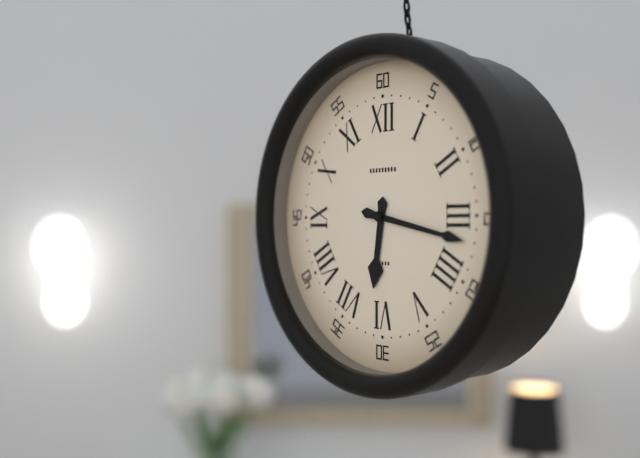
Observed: 6 h 17 min
